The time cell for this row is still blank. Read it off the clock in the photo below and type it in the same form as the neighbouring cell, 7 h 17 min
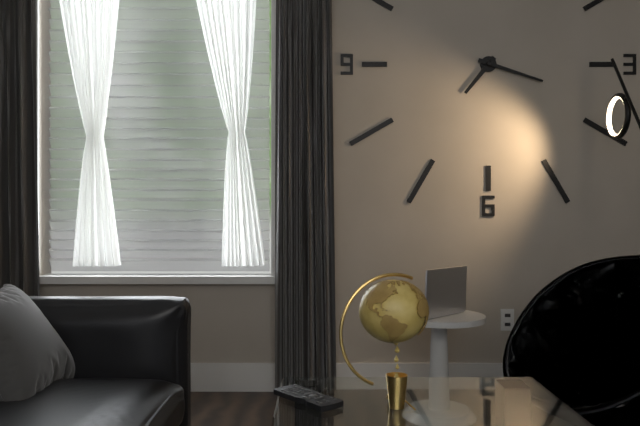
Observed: 7 h 18 min
